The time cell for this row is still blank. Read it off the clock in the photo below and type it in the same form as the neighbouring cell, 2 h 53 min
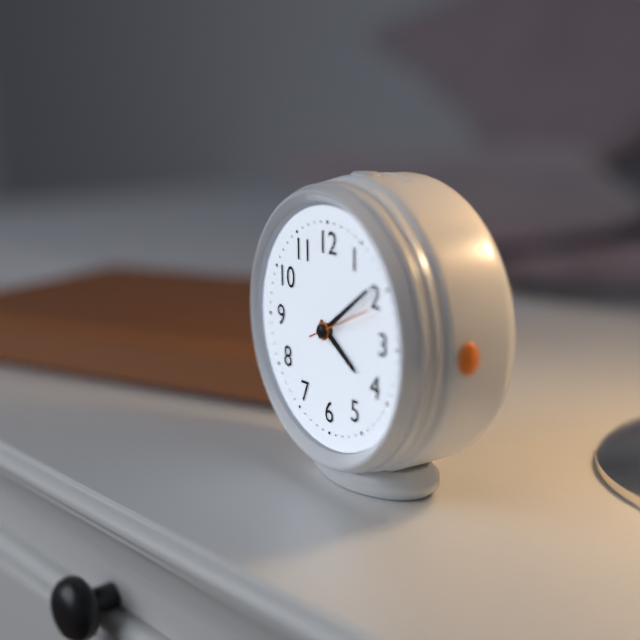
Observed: 4 h 09 min
